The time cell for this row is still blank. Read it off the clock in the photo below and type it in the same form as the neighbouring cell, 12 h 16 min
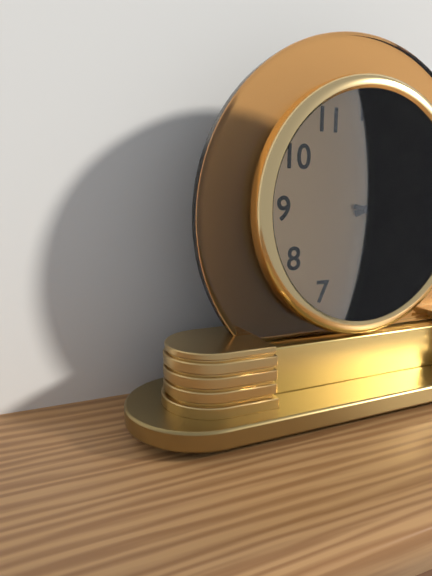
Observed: 2 h 17 min
